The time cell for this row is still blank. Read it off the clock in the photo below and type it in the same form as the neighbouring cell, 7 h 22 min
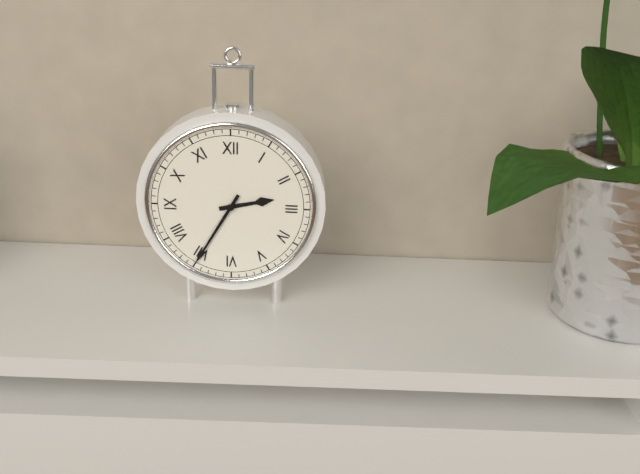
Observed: 2 h 35 min
